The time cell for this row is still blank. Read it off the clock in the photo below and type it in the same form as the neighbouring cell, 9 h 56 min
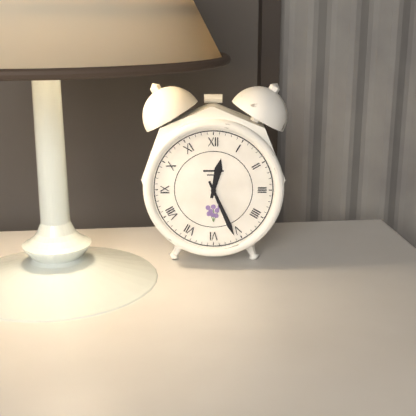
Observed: 12 h 26 min
